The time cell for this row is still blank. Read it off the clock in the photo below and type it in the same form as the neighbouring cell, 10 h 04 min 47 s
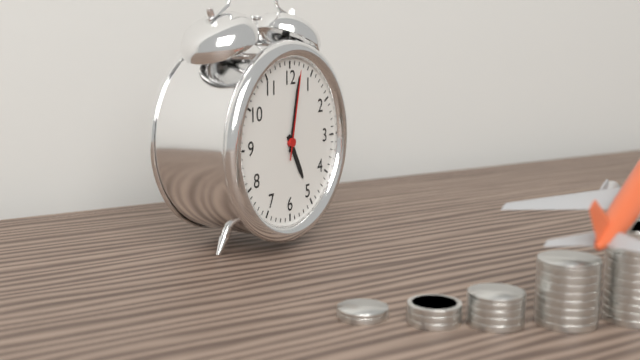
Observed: 5 h 02 min 02 s
